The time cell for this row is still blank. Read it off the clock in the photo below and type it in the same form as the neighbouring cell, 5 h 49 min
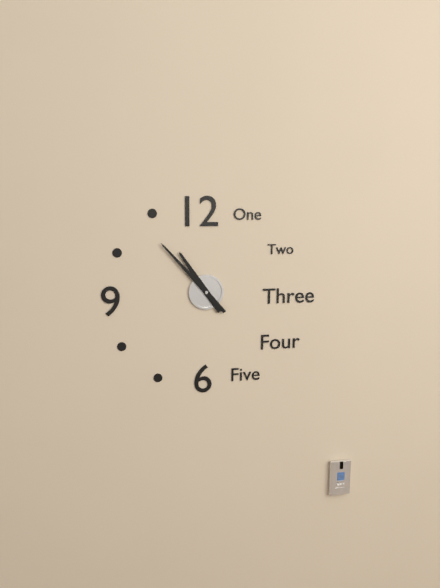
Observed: 10 h 53 min
